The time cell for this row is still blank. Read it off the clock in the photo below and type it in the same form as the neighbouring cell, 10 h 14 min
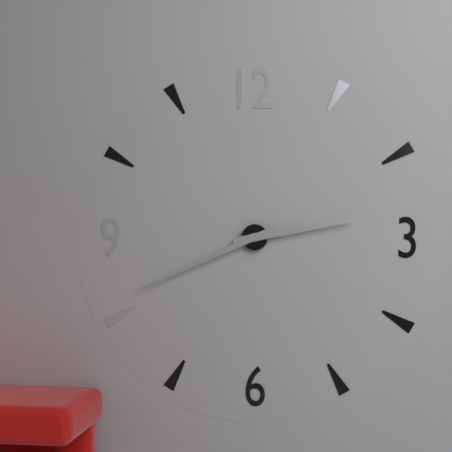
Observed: 2 h 41 min
